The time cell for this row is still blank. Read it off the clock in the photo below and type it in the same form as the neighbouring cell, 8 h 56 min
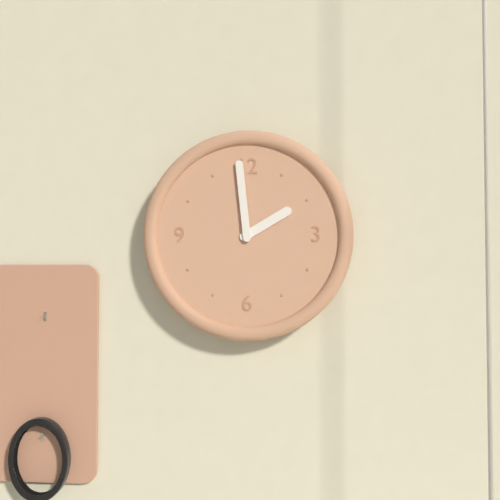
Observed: 1 h 59 min
